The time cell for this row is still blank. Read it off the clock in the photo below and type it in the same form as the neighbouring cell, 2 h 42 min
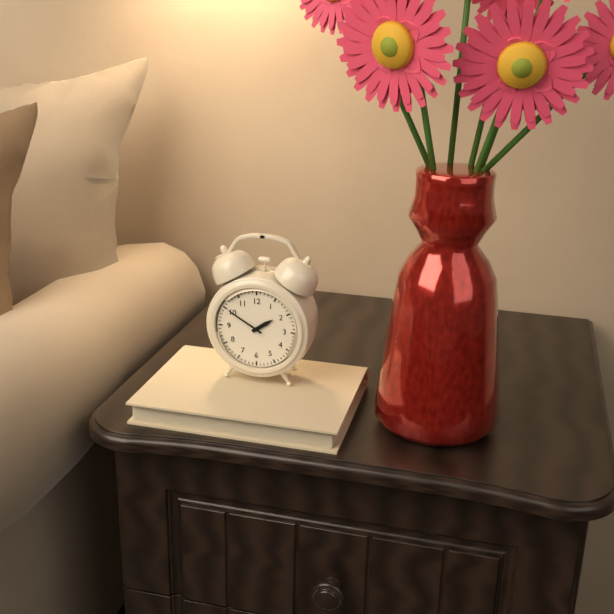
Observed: 1 h 50 min
